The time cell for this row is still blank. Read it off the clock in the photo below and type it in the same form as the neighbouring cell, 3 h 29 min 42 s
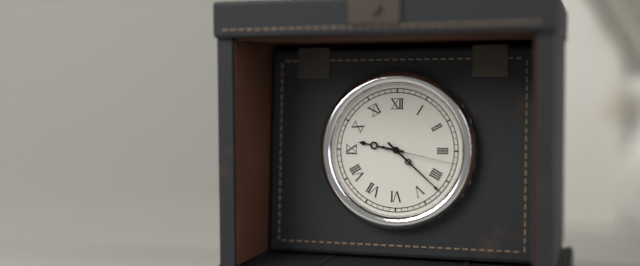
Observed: 9 h 22 min 17 s
